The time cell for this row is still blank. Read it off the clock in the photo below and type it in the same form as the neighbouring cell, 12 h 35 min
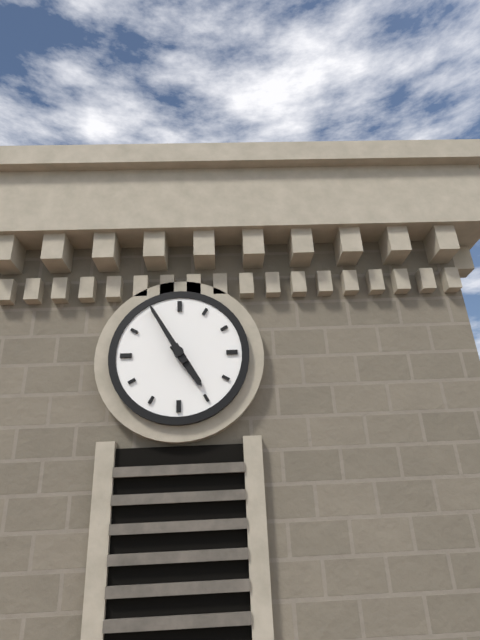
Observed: 4 h 55 min
